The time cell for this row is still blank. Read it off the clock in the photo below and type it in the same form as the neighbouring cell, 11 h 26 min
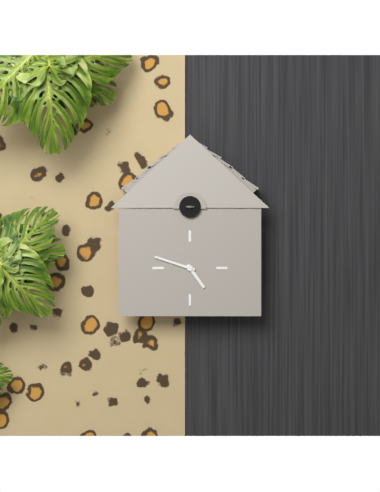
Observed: 4 h 48 min
